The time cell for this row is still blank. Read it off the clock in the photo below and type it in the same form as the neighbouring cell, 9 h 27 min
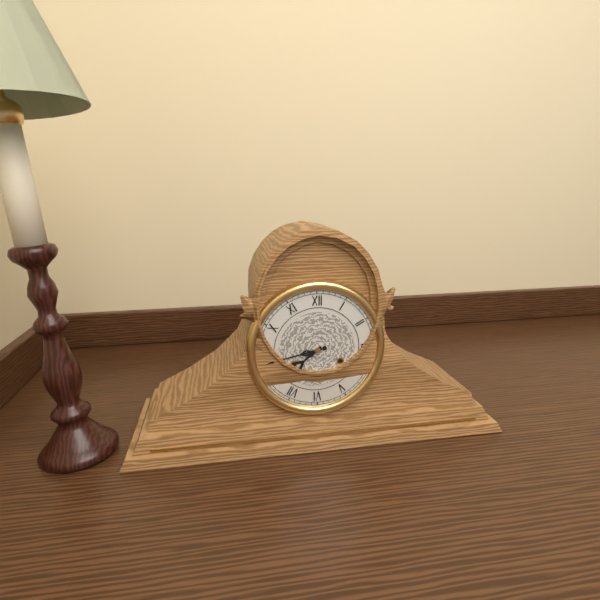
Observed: 7 h 43 min
